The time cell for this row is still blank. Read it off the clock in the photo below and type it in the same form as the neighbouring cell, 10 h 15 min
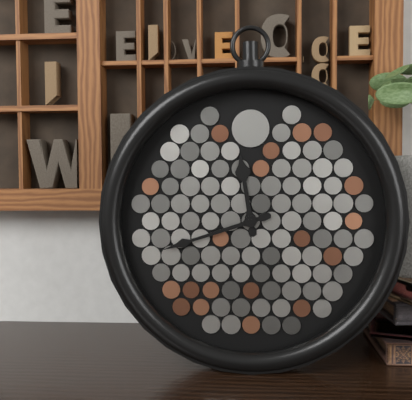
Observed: 11 h 42 min
